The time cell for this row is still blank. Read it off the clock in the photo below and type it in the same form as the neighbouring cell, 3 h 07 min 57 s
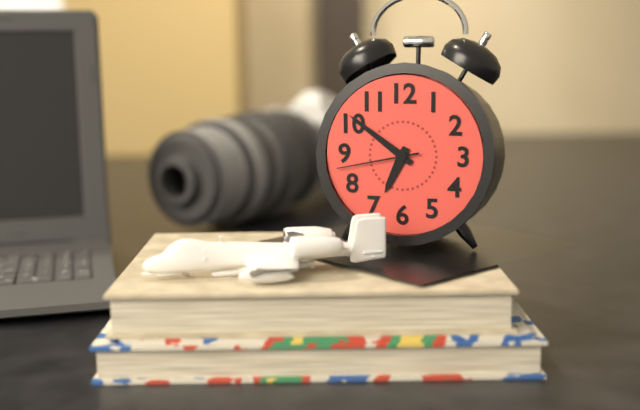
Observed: 6 h 51 min 43 s
